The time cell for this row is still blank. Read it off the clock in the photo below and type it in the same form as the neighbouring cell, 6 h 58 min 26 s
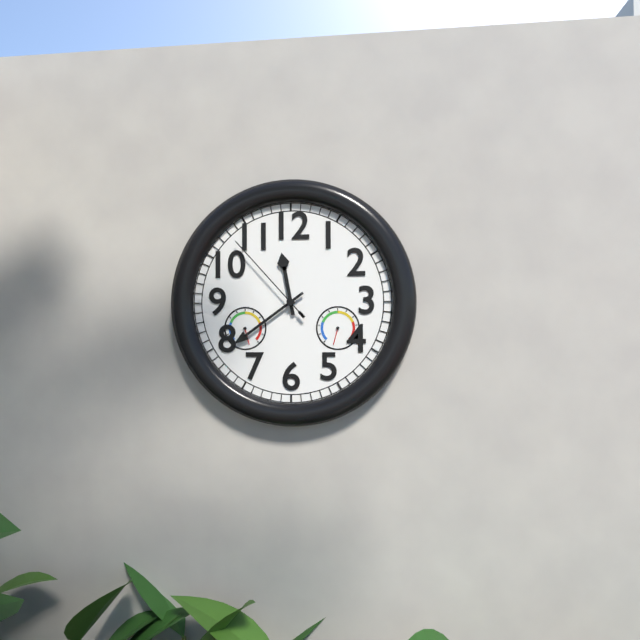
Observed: 11 h 39 min 53 s
